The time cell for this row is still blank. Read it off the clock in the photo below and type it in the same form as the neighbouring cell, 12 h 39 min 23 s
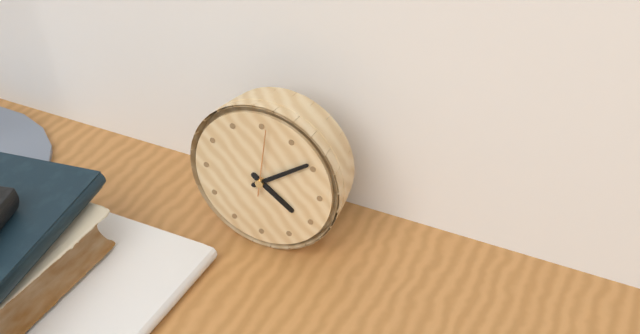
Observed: 4 h 09 min 01 s
